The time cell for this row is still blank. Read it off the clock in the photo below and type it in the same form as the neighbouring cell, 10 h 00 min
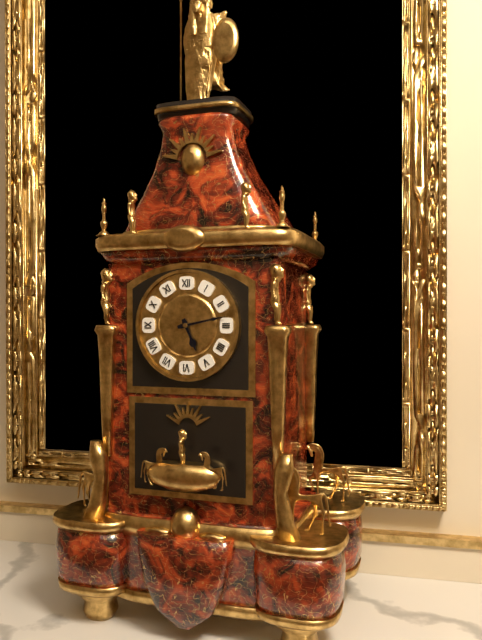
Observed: 5 h 13 min
